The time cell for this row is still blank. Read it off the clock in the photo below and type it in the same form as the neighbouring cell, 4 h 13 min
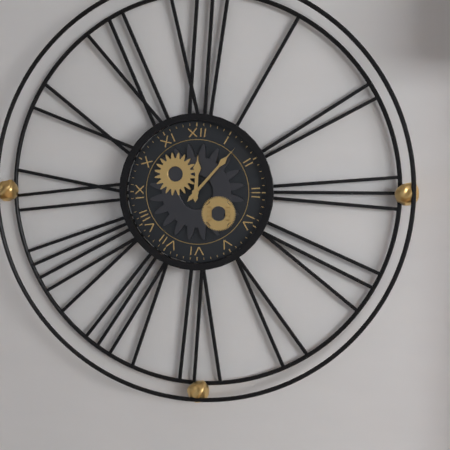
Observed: 12 h 07 min
